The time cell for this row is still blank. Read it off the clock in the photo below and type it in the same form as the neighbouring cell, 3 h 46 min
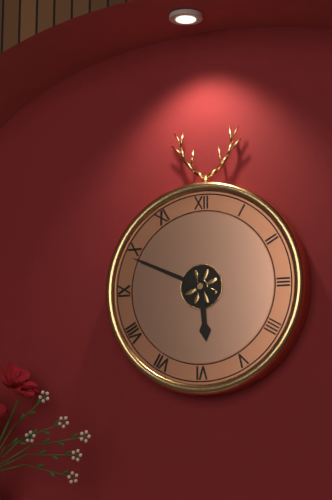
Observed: 5 h 49 min
